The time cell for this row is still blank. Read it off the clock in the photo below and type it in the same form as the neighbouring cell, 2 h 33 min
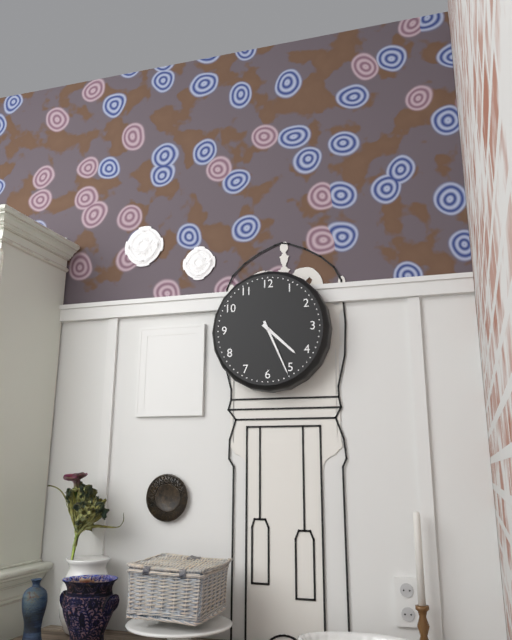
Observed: 4 h 26 min
